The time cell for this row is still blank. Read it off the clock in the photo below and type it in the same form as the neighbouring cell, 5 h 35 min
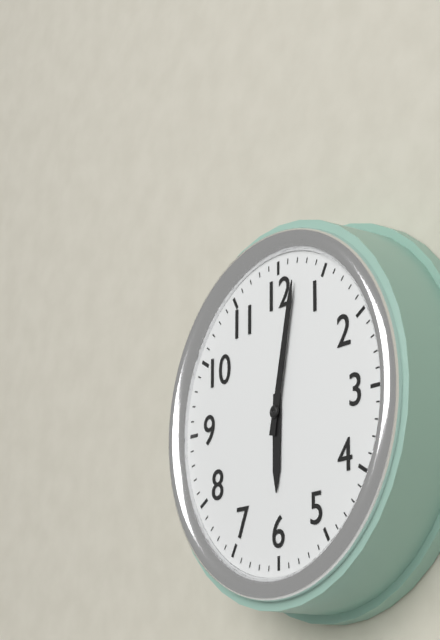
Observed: 6 h 02 min
